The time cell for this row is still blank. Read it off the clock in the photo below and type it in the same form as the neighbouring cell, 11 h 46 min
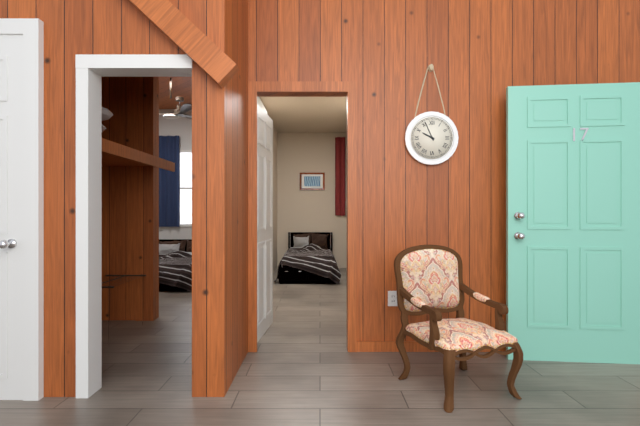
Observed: 9 h 56 min
